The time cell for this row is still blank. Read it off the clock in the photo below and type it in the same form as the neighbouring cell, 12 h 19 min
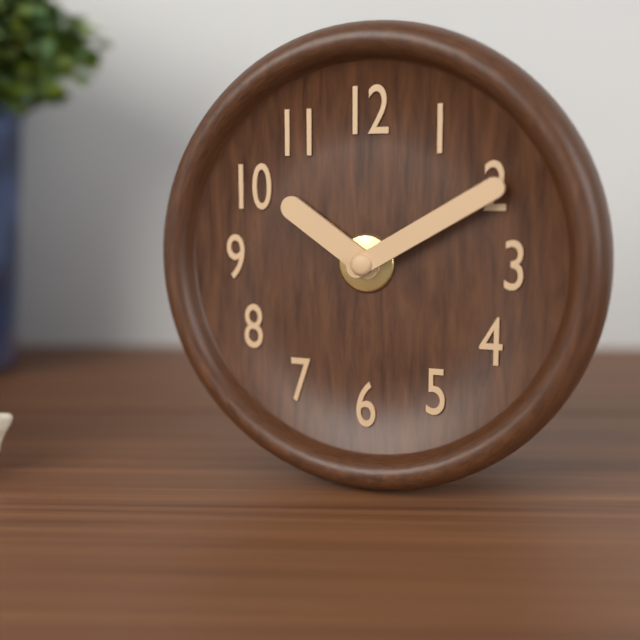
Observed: 10 h 10 min
